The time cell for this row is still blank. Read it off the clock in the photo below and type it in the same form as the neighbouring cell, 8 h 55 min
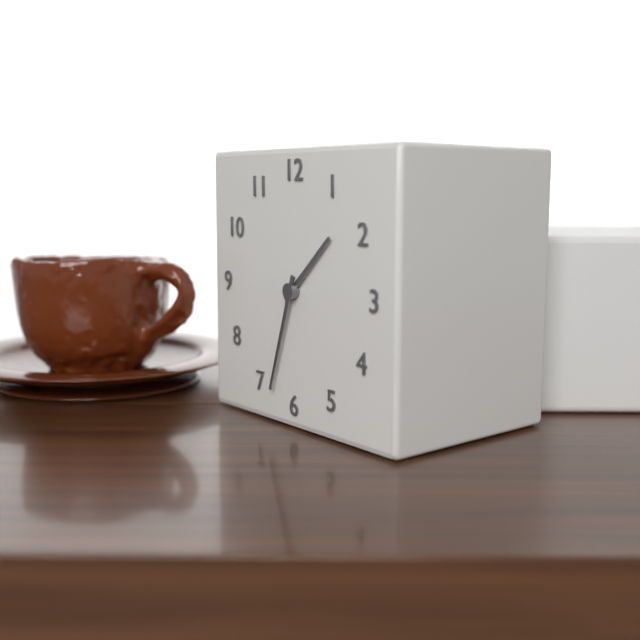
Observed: 1 h 33 min
